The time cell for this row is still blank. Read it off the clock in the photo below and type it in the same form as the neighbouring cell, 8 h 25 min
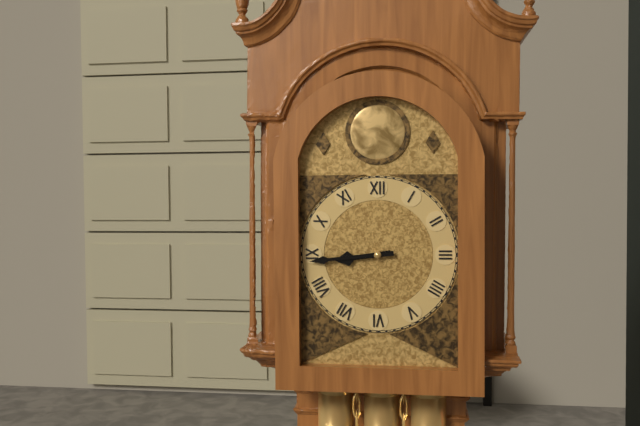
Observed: 8 h 44 min
